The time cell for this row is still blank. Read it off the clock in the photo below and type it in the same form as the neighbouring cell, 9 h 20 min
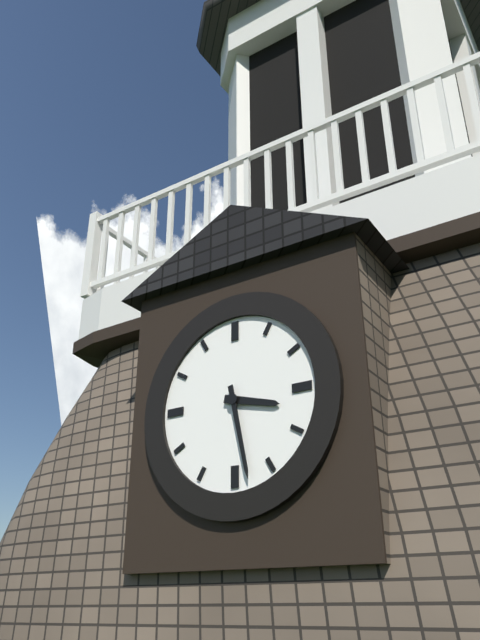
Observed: 3 h 28 min
